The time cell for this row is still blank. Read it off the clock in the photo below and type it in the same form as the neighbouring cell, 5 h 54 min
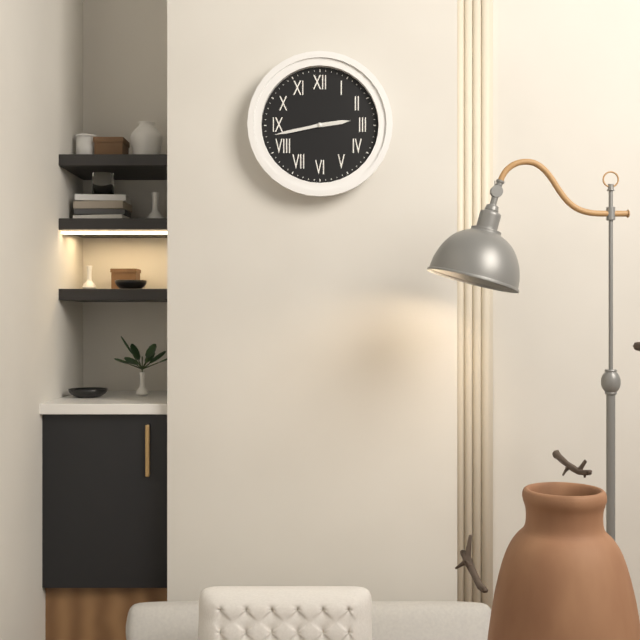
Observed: 2 h 43 min
